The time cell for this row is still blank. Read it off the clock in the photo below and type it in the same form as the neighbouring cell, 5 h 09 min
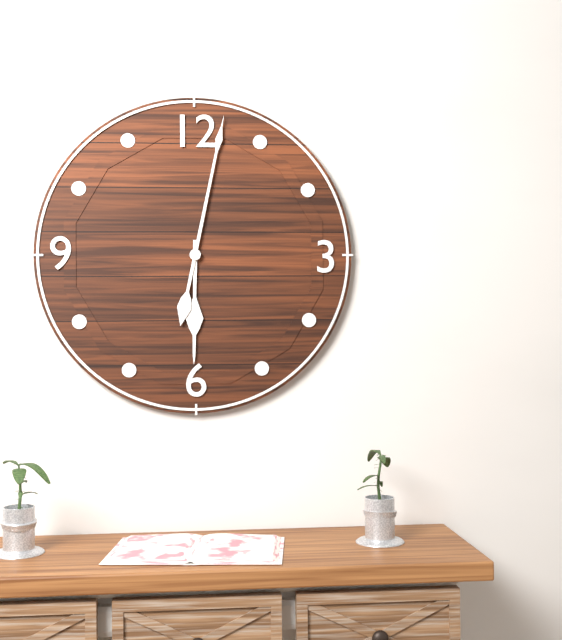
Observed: 6 h 02 min
